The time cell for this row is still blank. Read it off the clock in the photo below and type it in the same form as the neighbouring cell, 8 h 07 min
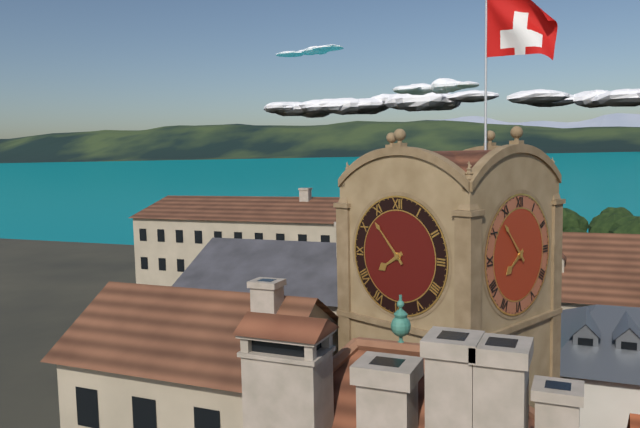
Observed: 7 h 53 min
